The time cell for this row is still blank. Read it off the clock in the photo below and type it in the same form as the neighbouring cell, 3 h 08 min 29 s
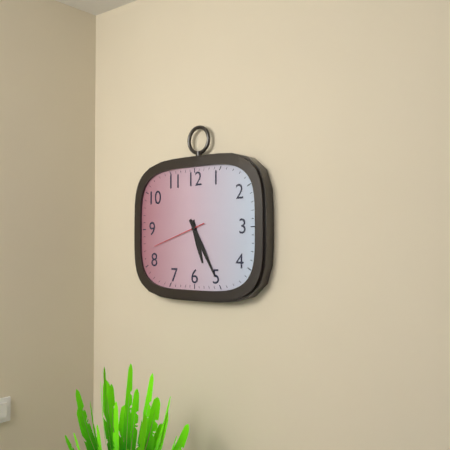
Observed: 5 h 25 min 42 s
